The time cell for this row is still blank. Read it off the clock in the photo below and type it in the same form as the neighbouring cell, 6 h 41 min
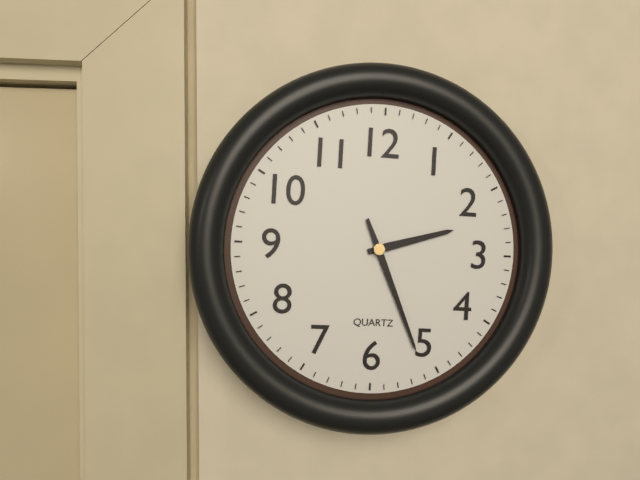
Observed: 2 h 26 min
